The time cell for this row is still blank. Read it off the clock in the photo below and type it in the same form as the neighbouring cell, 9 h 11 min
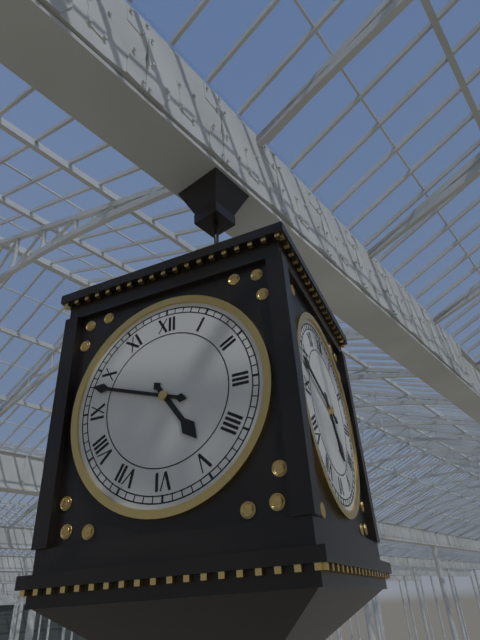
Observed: 4 h 48 min
